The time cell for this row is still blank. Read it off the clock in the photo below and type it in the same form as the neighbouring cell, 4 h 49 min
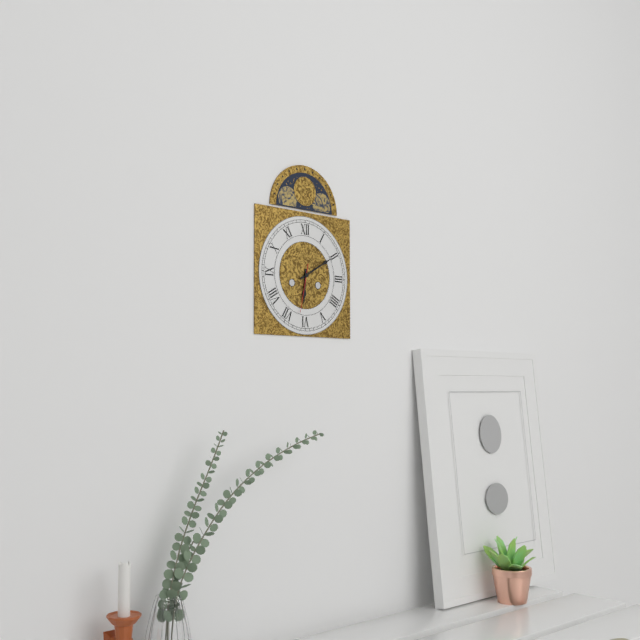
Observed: 6 h 10 min
